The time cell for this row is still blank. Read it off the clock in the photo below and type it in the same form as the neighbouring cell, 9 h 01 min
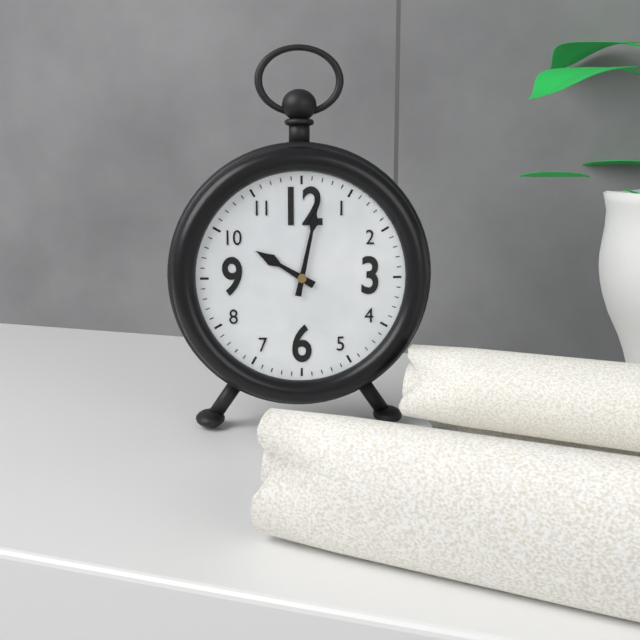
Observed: 10 h 02 min
